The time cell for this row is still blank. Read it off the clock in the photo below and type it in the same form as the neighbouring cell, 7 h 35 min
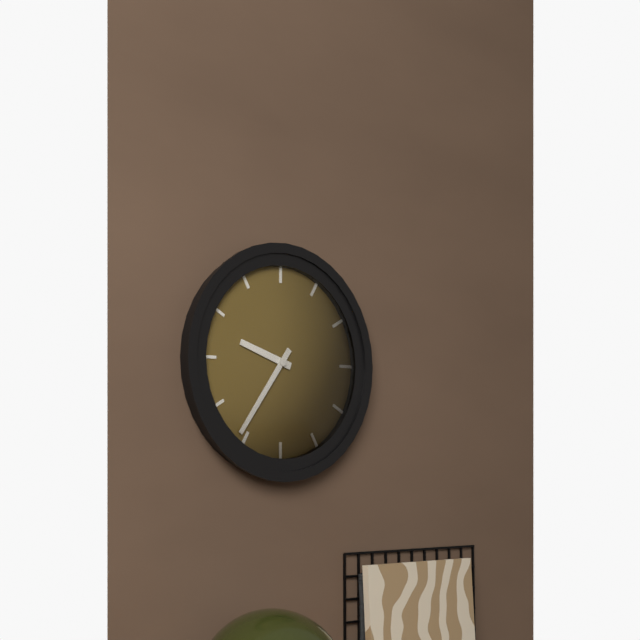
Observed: 9 h 36 min
